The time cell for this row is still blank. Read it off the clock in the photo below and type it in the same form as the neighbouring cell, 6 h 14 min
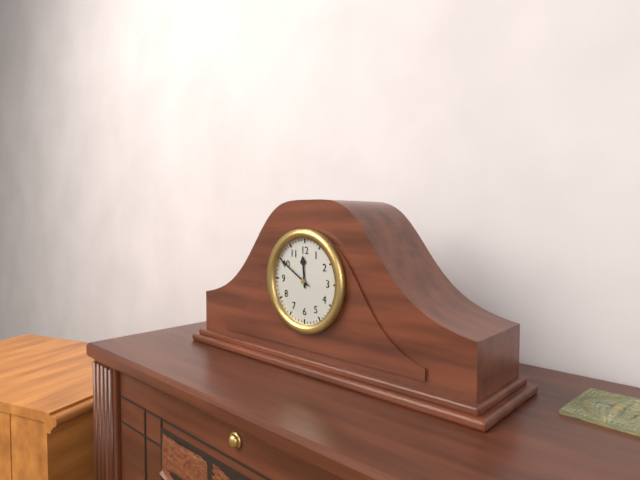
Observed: 11 h 50 min
